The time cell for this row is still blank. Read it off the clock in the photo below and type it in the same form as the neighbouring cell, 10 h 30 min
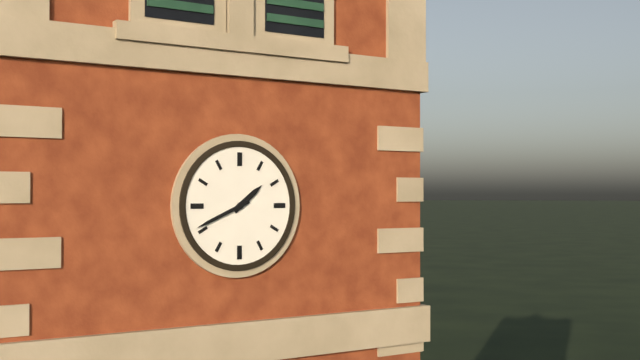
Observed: 1 h 41 min
